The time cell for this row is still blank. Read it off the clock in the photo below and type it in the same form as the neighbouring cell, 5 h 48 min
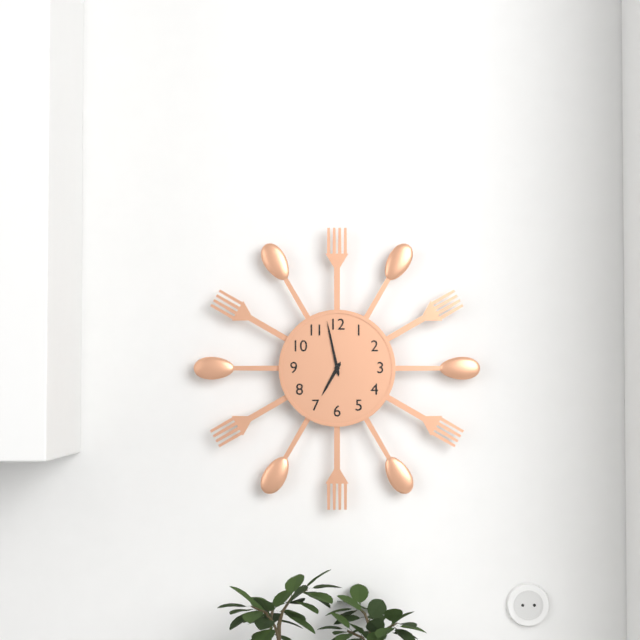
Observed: 6 h 58 min
